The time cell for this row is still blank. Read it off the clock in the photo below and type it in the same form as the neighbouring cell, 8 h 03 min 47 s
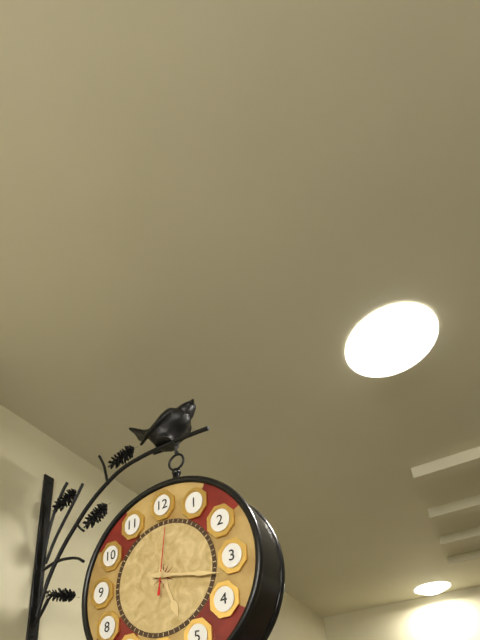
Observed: 5 h 17 min 01 s
